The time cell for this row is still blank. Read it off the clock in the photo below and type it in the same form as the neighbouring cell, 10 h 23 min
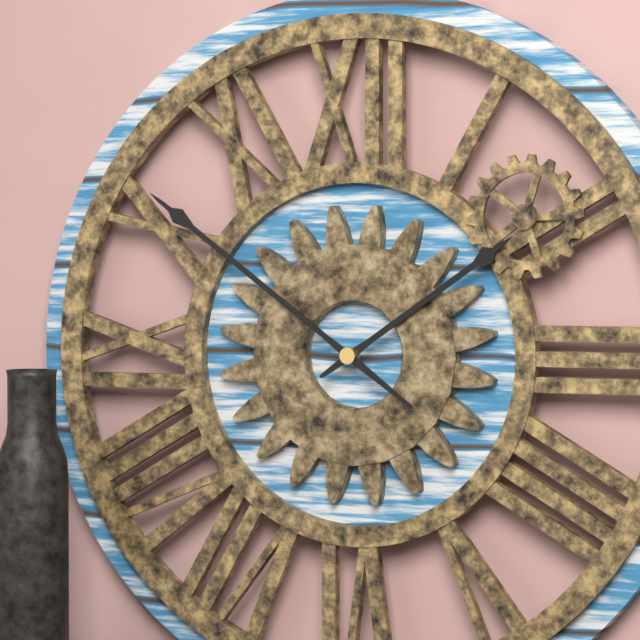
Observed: 1 h 51 min
